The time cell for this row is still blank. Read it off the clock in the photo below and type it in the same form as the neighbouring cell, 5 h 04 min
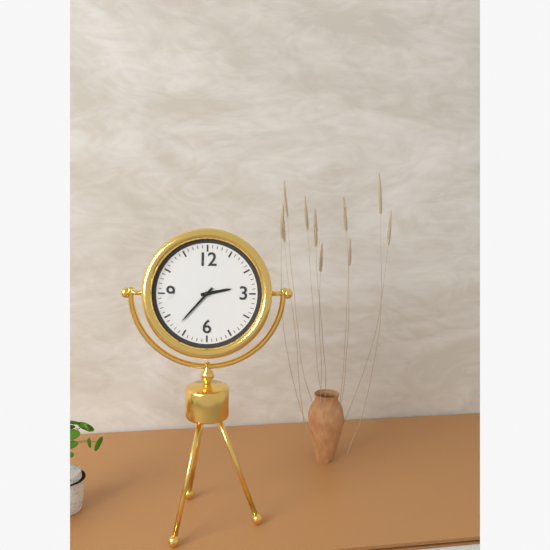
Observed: 2 h 37 min
